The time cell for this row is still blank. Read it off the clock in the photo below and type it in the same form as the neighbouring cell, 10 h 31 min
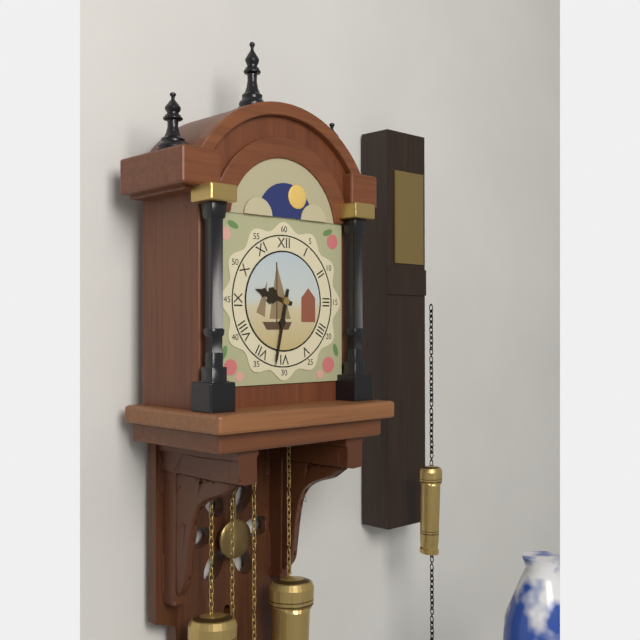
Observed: 9 h 32 min
